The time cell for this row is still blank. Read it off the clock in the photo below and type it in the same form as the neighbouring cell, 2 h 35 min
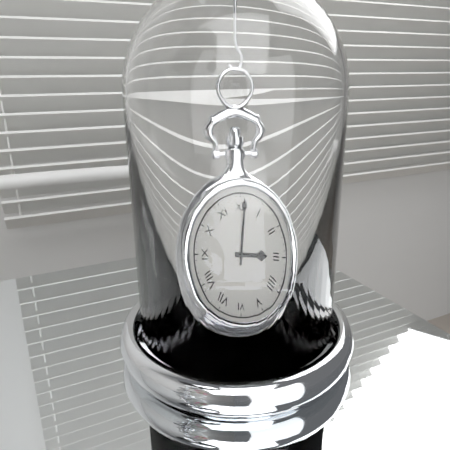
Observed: 3 h 01 min
